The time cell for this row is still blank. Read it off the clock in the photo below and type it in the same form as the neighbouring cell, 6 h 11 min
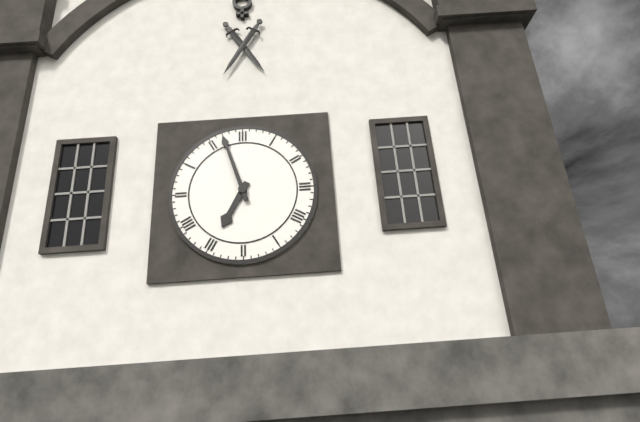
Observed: 6 h 57 min
